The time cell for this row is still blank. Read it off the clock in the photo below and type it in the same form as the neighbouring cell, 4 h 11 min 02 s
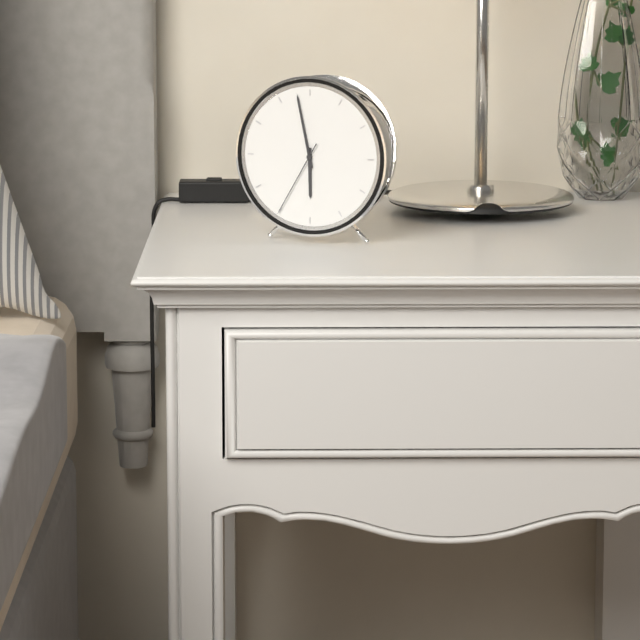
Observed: 5 h 58 min 35 s
